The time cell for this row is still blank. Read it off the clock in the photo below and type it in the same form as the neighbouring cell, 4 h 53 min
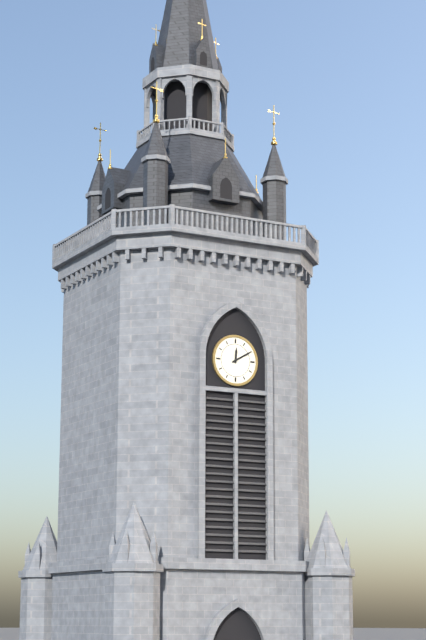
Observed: 12 h 10 min
